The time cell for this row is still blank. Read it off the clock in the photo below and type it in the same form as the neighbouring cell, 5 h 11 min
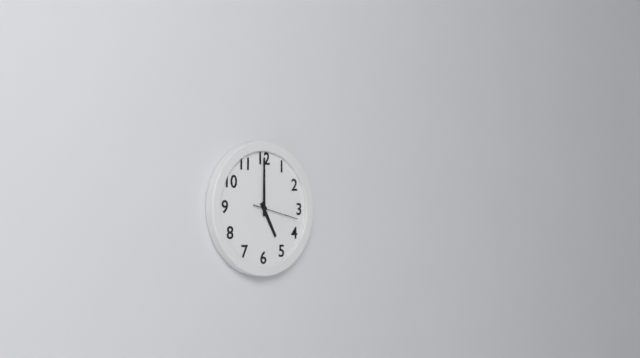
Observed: 5 h 00 min
